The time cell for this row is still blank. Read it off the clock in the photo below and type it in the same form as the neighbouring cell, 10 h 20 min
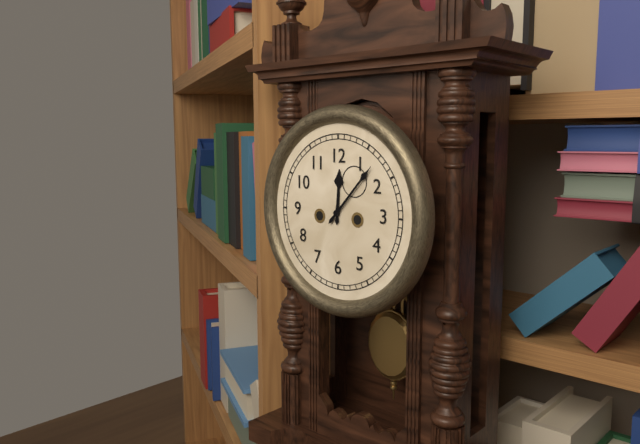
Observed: 12 h 07 min
